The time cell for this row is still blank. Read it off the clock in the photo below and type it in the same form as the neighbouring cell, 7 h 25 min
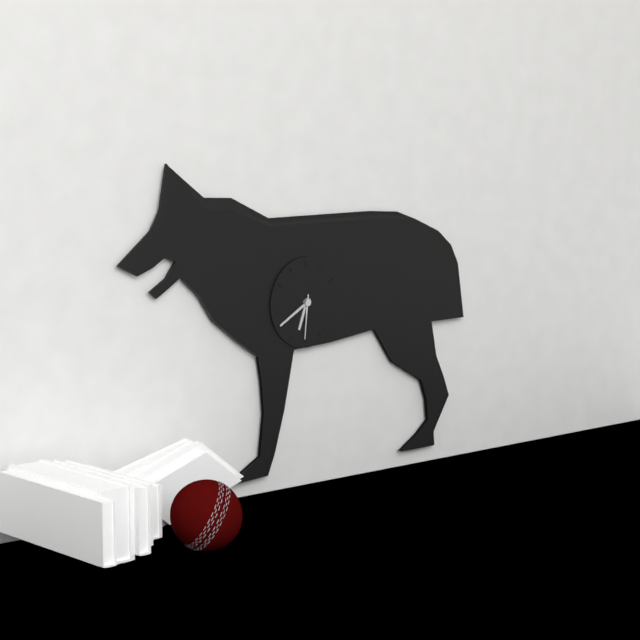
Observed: 6 h 40 min
